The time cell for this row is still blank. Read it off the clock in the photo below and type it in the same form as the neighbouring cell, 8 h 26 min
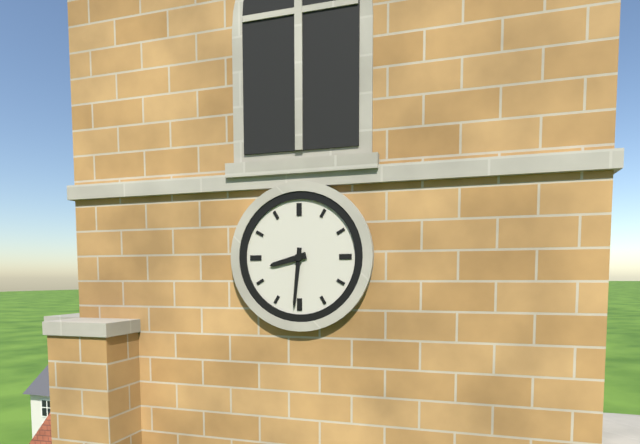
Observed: 8 h 31 min
